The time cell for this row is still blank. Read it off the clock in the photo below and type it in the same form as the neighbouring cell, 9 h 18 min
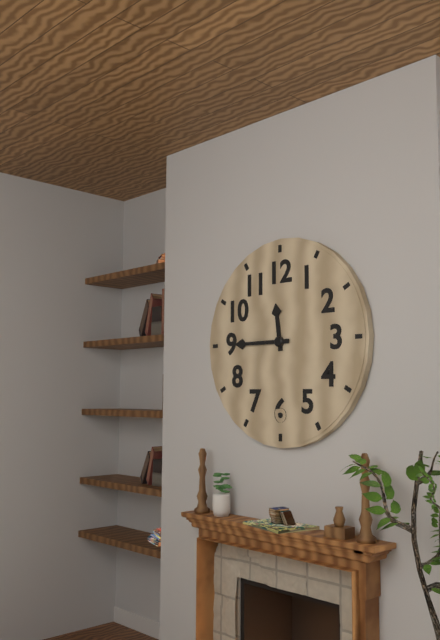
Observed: 11 h 45 min
